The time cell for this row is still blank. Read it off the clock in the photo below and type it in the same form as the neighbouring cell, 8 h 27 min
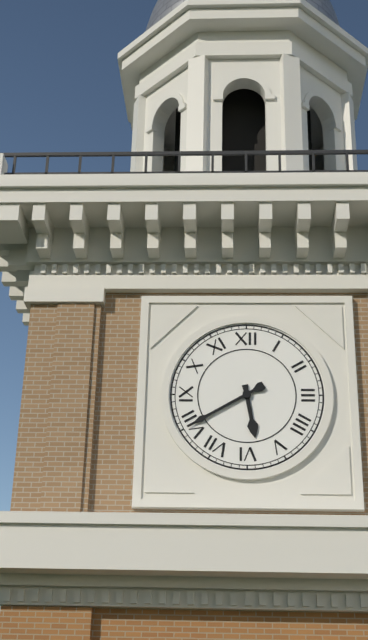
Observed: 5 h 40 min
